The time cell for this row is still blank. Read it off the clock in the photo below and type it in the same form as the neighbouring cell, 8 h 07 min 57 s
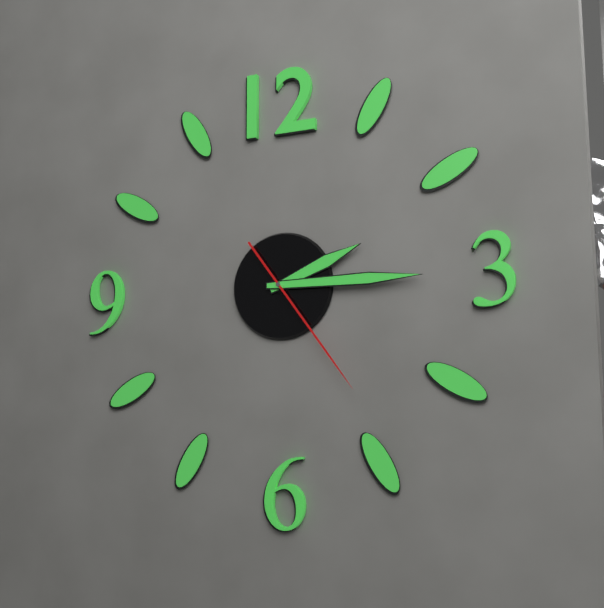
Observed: 2 h 15 min 24 s
